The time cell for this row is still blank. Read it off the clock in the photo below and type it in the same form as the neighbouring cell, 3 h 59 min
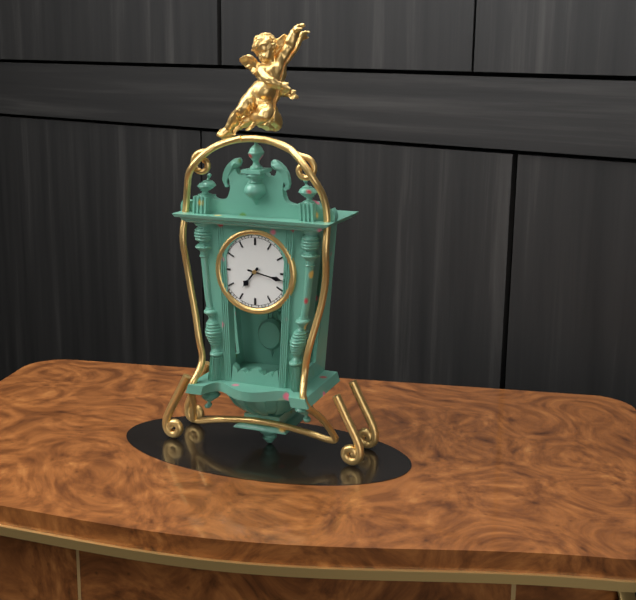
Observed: 7 h 17 min
